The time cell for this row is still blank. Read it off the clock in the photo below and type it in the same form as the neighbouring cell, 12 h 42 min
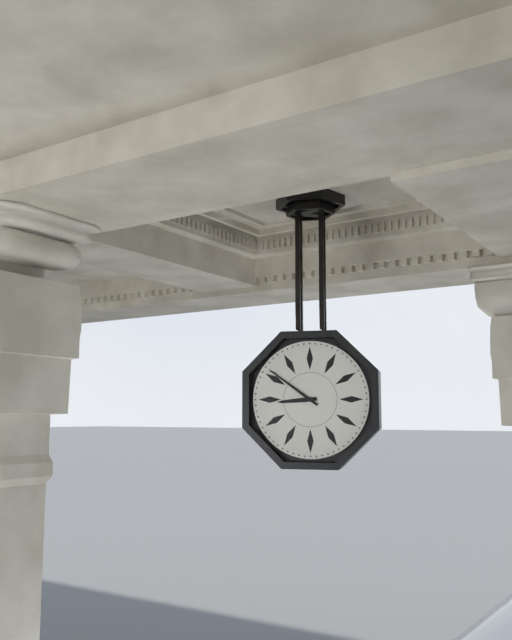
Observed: 8 h 51 min
